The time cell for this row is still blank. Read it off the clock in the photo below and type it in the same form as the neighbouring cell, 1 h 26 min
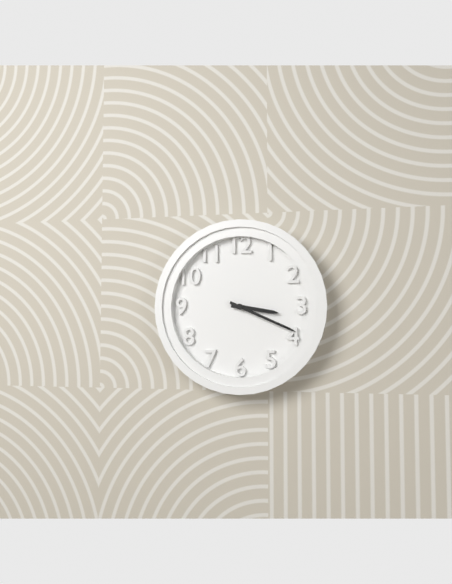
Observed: 3 h 19 min
